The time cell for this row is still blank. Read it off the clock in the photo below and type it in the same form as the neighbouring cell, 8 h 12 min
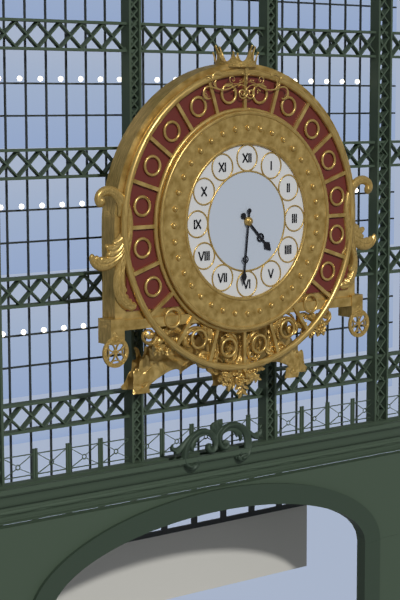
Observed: 4 h 31 min
